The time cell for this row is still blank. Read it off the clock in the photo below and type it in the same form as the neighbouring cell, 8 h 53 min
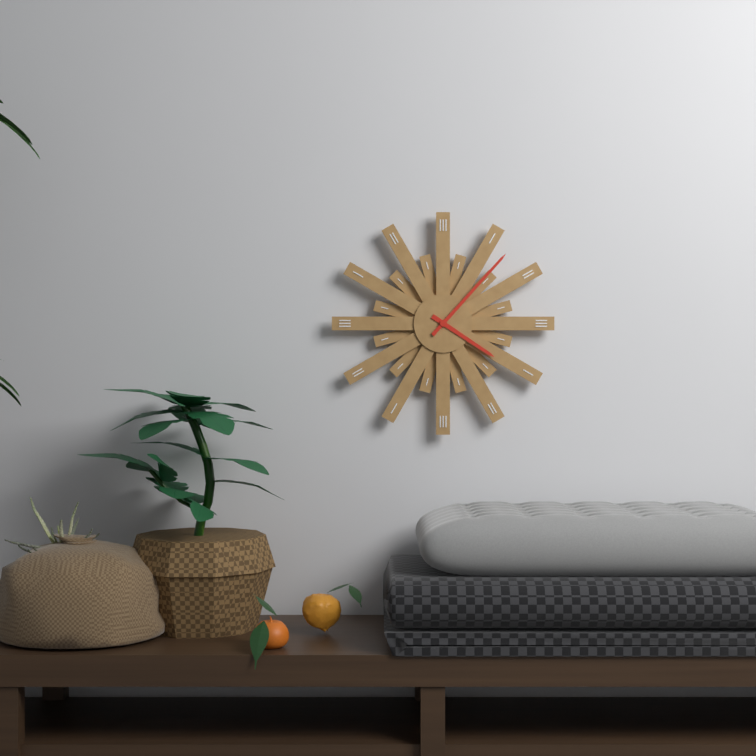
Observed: 4 h 07 min
